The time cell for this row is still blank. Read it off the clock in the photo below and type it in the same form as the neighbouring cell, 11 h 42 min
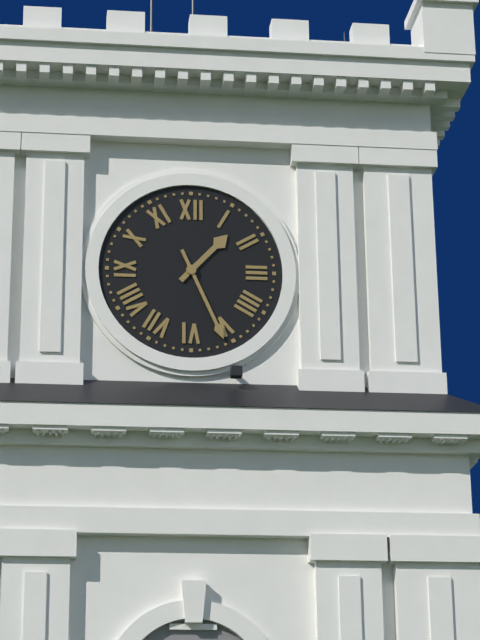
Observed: 1 h 26 min
